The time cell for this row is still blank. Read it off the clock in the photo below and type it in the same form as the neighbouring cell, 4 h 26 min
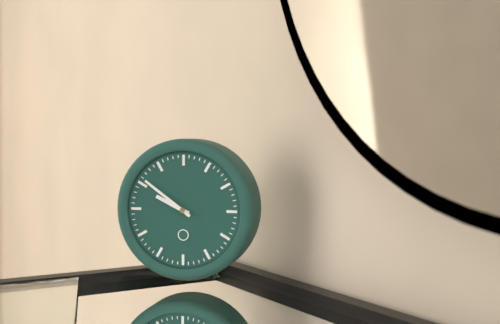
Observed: 9 h 51 min
